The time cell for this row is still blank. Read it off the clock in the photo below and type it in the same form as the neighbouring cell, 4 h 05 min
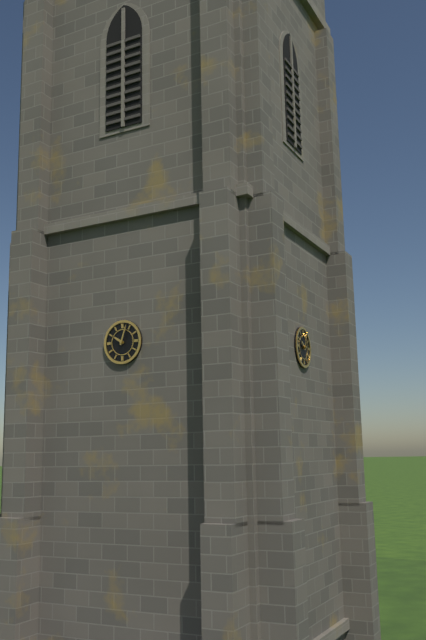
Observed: 10 h 03 min
